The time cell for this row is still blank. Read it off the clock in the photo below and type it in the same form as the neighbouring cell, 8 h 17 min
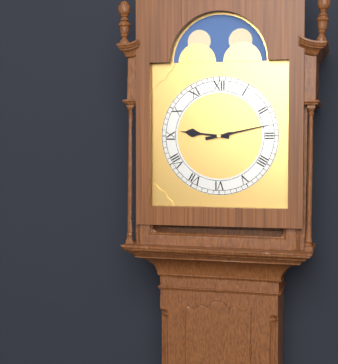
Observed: 9 h 13 min
